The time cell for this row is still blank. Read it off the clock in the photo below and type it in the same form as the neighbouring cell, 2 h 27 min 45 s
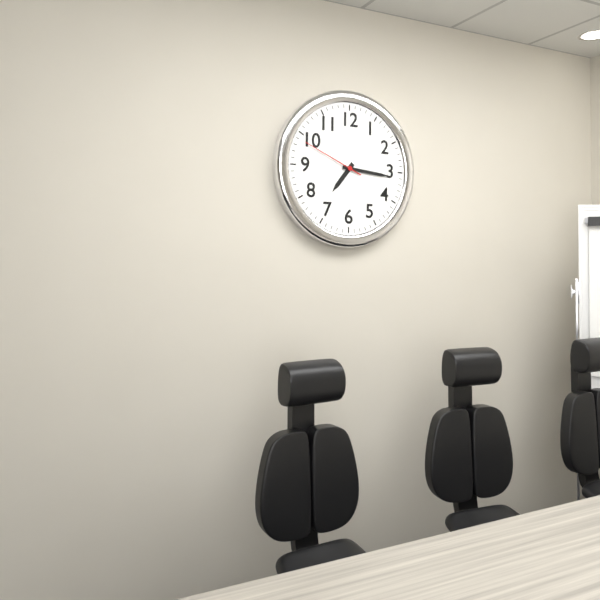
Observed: 7 h 16 min 49 s
